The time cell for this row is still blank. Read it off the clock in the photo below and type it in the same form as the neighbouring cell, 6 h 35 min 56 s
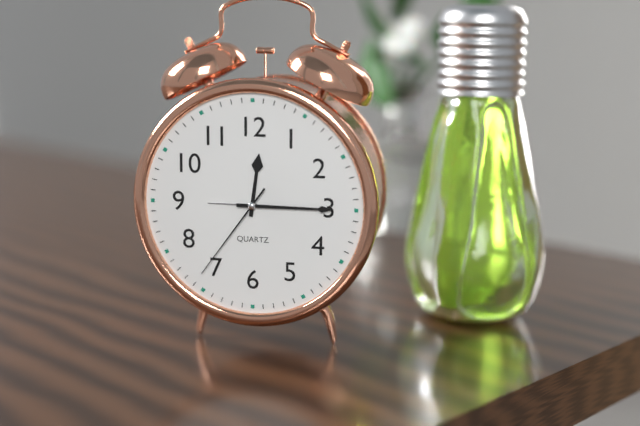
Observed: 12 h 15 min 36 s
